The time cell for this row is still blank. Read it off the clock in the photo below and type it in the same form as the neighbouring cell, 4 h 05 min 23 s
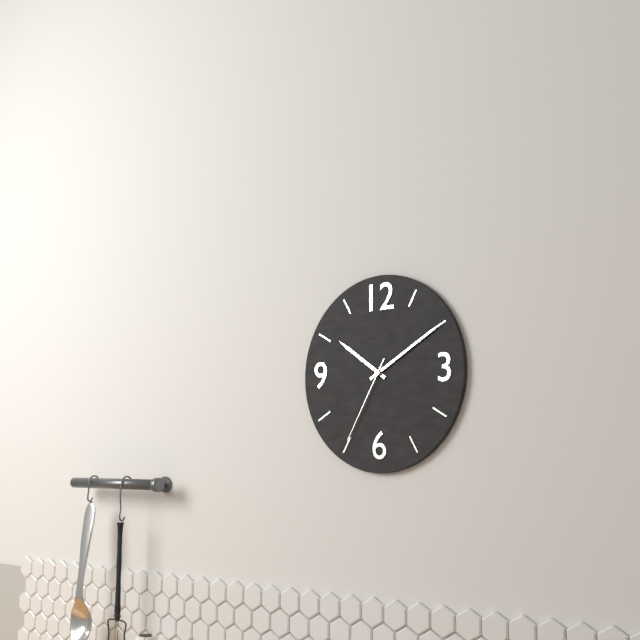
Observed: 10 h 10 min 35 s
